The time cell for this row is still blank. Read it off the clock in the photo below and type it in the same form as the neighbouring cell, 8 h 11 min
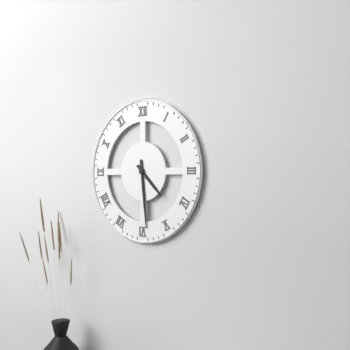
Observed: 4 h 29 min
